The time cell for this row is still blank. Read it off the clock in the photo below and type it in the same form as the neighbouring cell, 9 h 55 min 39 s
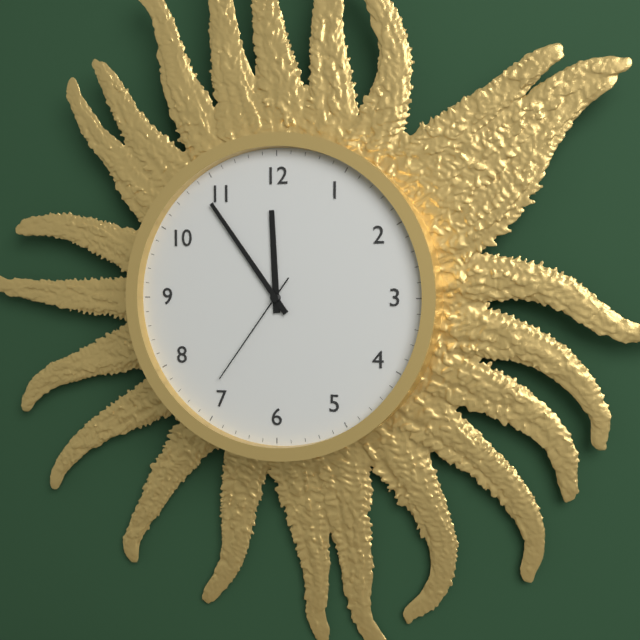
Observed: 11 h 54 min 36 s
